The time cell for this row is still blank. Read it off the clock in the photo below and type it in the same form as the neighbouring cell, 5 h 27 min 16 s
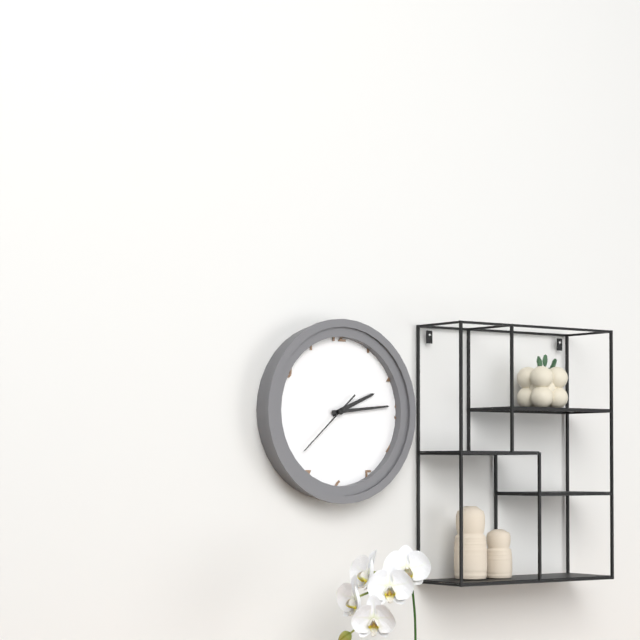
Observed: 2 h 14 min 38 s
